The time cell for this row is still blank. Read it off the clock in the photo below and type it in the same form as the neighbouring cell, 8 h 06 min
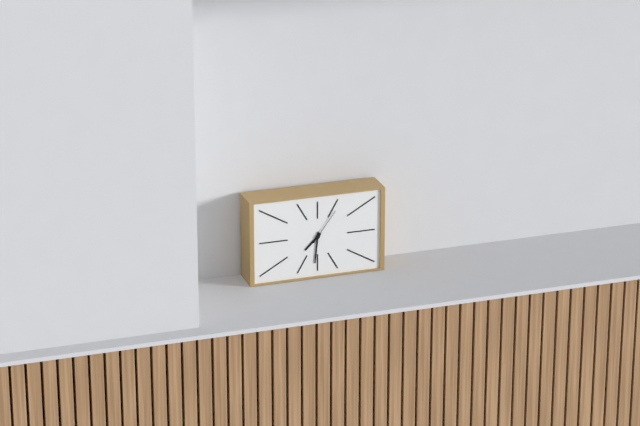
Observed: 7 h 31 min
